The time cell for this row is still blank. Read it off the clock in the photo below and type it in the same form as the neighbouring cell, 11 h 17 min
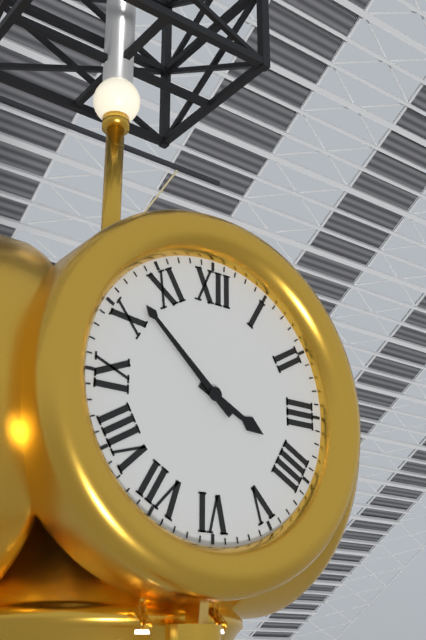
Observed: 3 h 52 min
